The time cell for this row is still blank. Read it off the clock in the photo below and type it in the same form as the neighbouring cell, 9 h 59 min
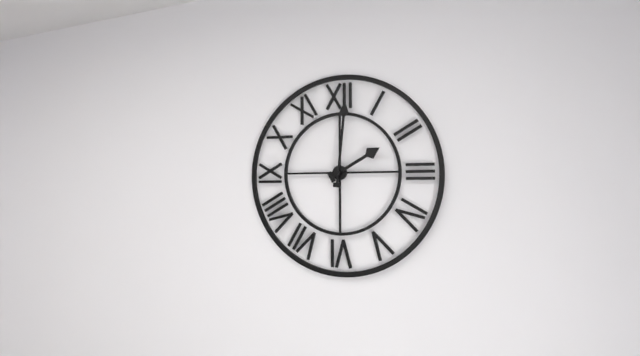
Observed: 2 h 01 min
